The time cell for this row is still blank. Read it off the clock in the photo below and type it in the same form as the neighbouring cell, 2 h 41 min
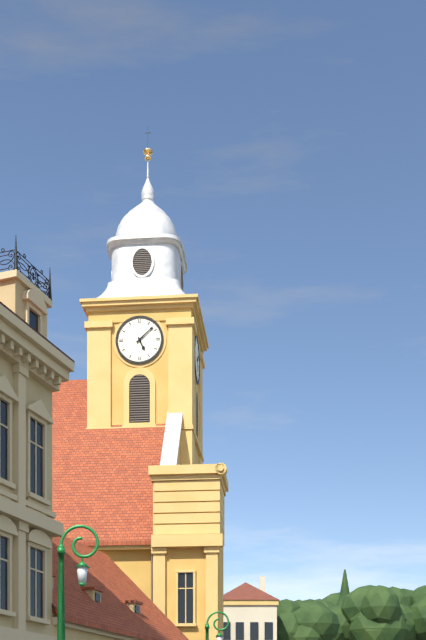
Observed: 5 h 08 min
